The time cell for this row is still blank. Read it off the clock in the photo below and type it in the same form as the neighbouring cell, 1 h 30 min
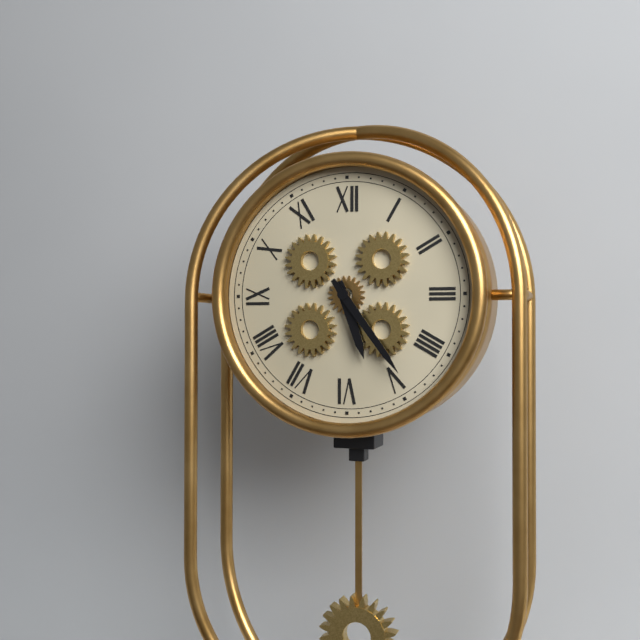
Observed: 5 h 24 min
